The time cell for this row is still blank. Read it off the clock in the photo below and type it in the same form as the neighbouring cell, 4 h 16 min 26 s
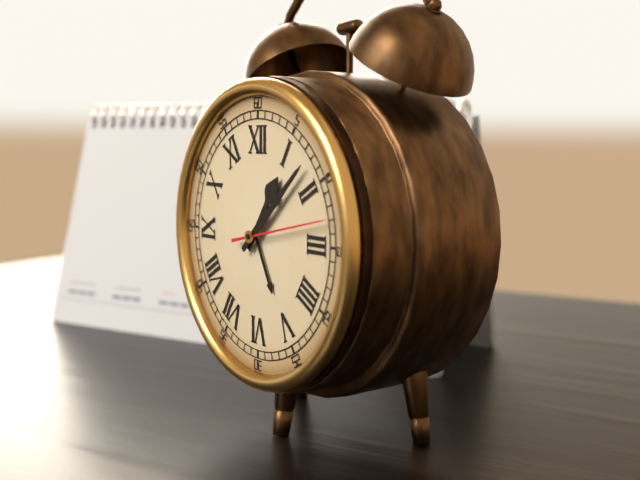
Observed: 1 h 08 min 13 s
